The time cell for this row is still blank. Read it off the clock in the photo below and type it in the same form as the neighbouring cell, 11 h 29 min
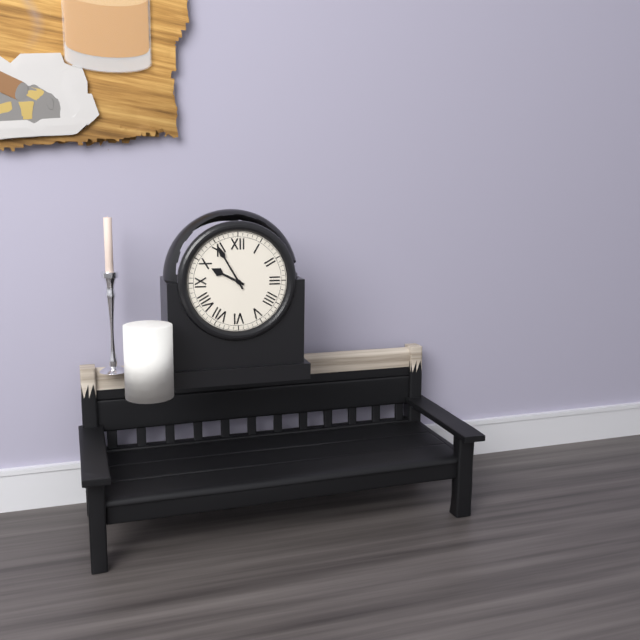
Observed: 9 h 55 min
